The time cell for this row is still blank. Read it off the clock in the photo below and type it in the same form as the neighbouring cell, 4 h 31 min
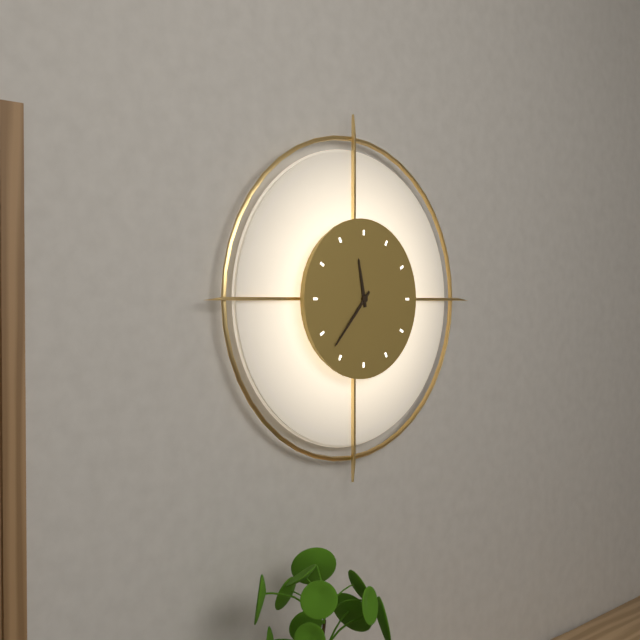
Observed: 11 h 37 min
